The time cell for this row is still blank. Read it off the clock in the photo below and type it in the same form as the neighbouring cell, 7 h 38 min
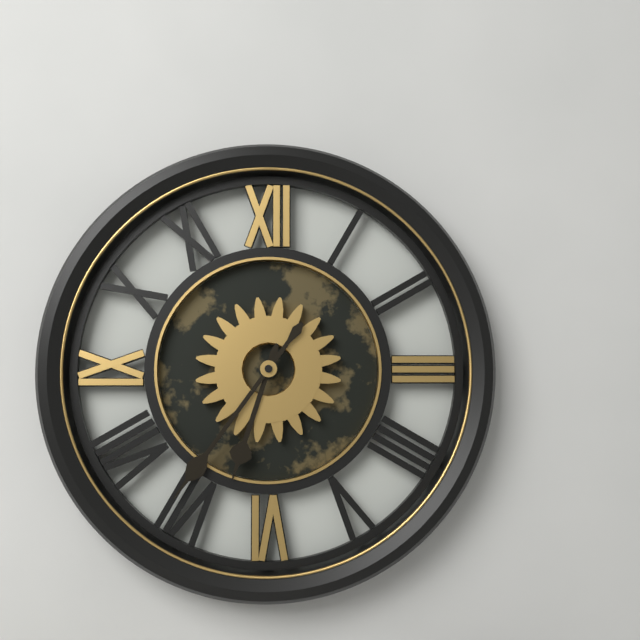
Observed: 6 h 36 min
